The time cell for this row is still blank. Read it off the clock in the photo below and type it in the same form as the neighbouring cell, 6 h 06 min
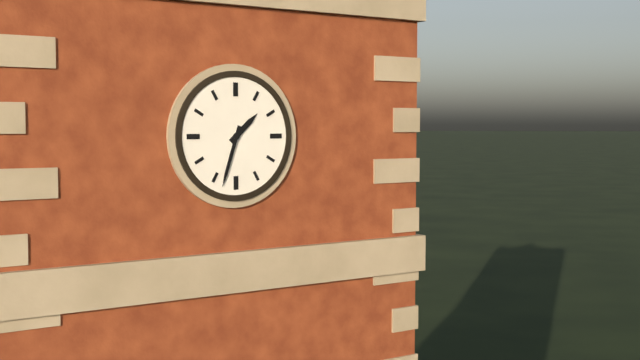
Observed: 1 h 33 min
